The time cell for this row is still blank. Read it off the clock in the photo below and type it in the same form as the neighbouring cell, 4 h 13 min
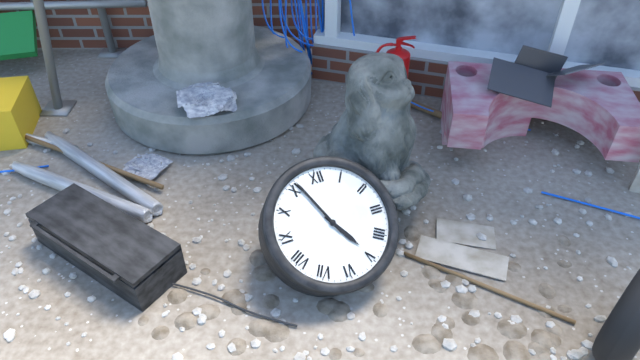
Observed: 4 h 56 min
